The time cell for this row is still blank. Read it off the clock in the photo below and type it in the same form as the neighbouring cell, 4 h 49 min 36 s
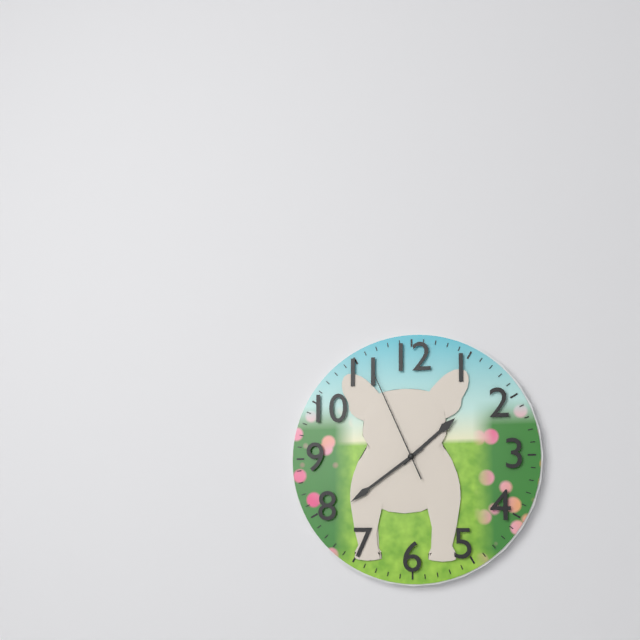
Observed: 1 h 39 min 56 s
